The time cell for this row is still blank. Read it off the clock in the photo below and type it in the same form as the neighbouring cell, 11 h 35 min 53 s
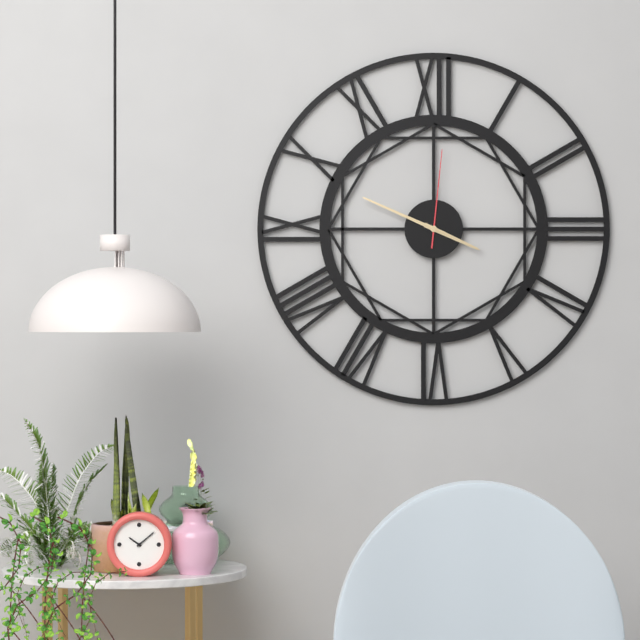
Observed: 3 h 49 min 01 s
